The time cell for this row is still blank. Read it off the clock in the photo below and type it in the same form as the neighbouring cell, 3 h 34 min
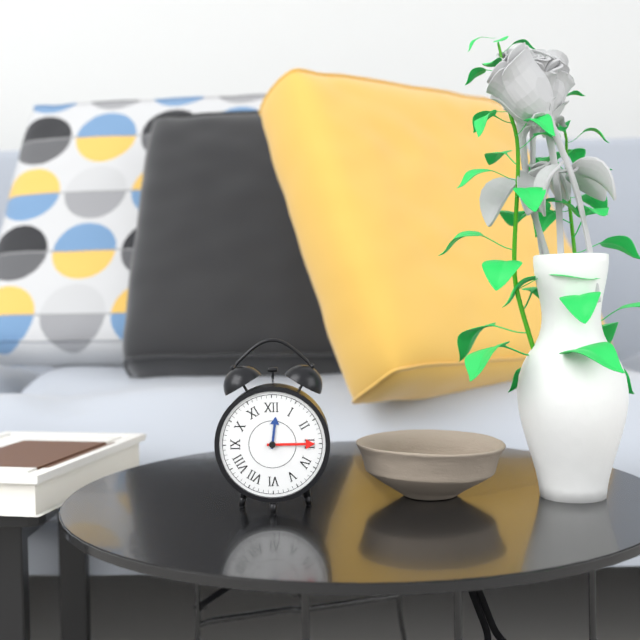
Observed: 12 h 15 min
